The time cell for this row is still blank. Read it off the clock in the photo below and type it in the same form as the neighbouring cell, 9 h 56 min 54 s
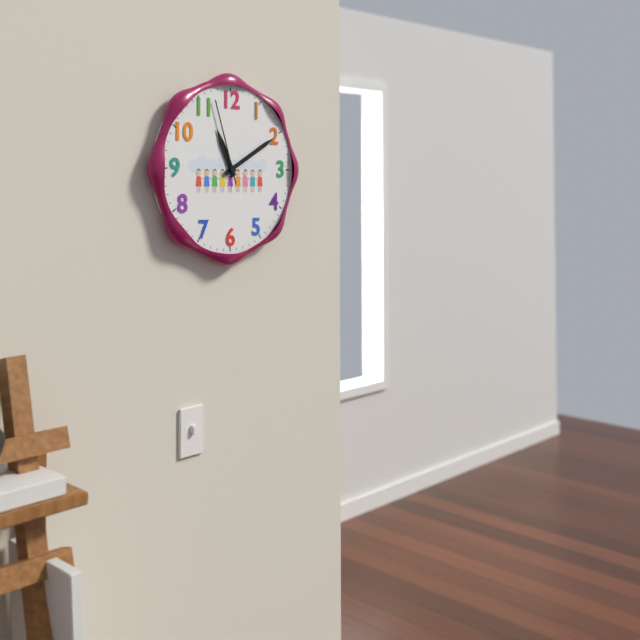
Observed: 11 h 10 min 57 s
